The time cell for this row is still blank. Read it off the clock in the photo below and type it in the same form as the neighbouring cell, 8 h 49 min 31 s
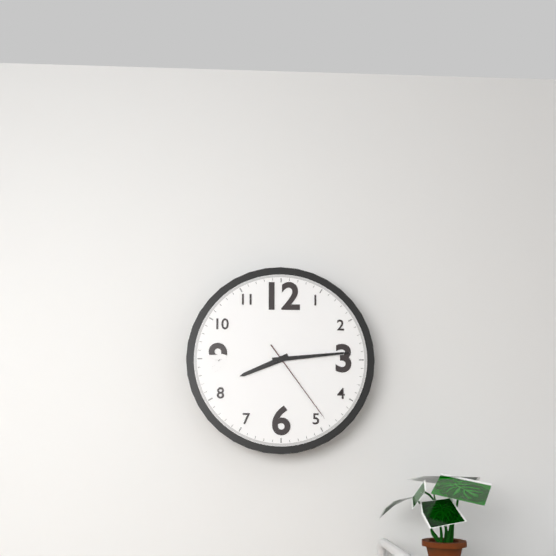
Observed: 8 h 14 min 24 s
